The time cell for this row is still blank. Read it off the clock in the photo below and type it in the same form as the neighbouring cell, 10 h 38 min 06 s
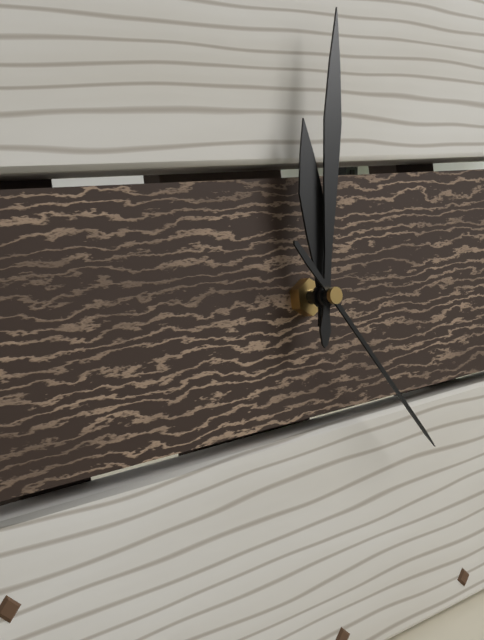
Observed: 12 h 02 min 24 s
